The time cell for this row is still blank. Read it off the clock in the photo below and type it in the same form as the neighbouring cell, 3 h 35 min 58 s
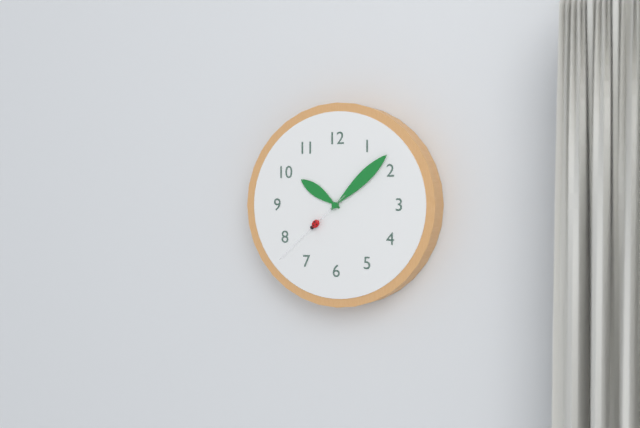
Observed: 10 h 08 min 38 s
